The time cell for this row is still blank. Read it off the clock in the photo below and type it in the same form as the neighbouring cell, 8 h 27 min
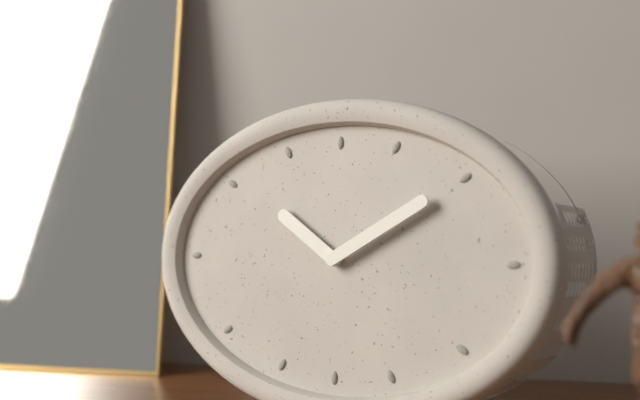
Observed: 10 h 10 min
